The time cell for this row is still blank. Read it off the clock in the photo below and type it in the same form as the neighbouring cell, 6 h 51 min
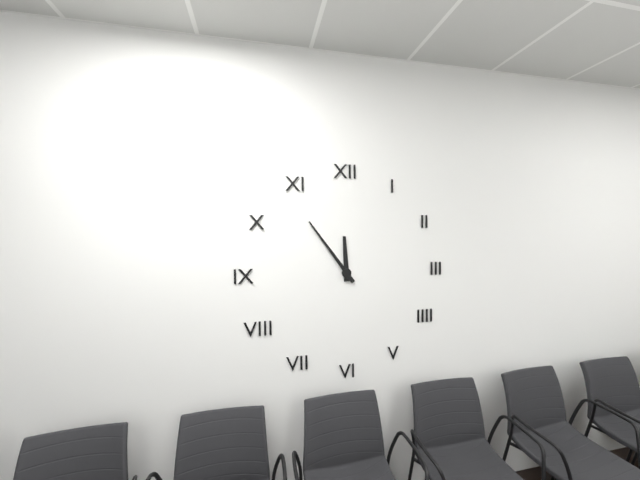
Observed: 11 h 54 min
